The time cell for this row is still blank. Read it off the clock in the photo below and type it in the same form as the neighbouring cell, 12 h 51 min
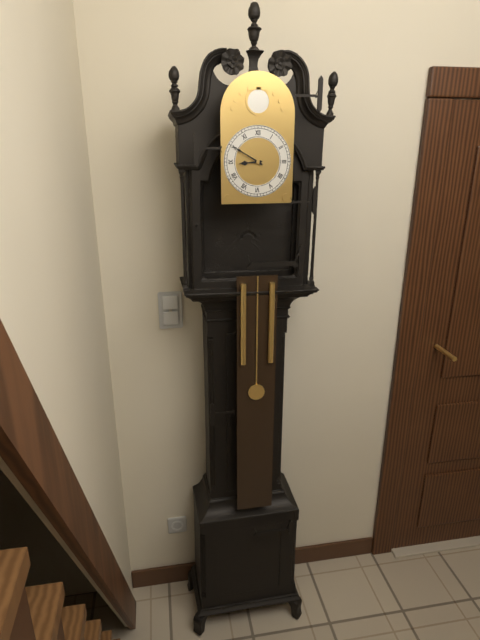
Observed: 8 h 50 min
